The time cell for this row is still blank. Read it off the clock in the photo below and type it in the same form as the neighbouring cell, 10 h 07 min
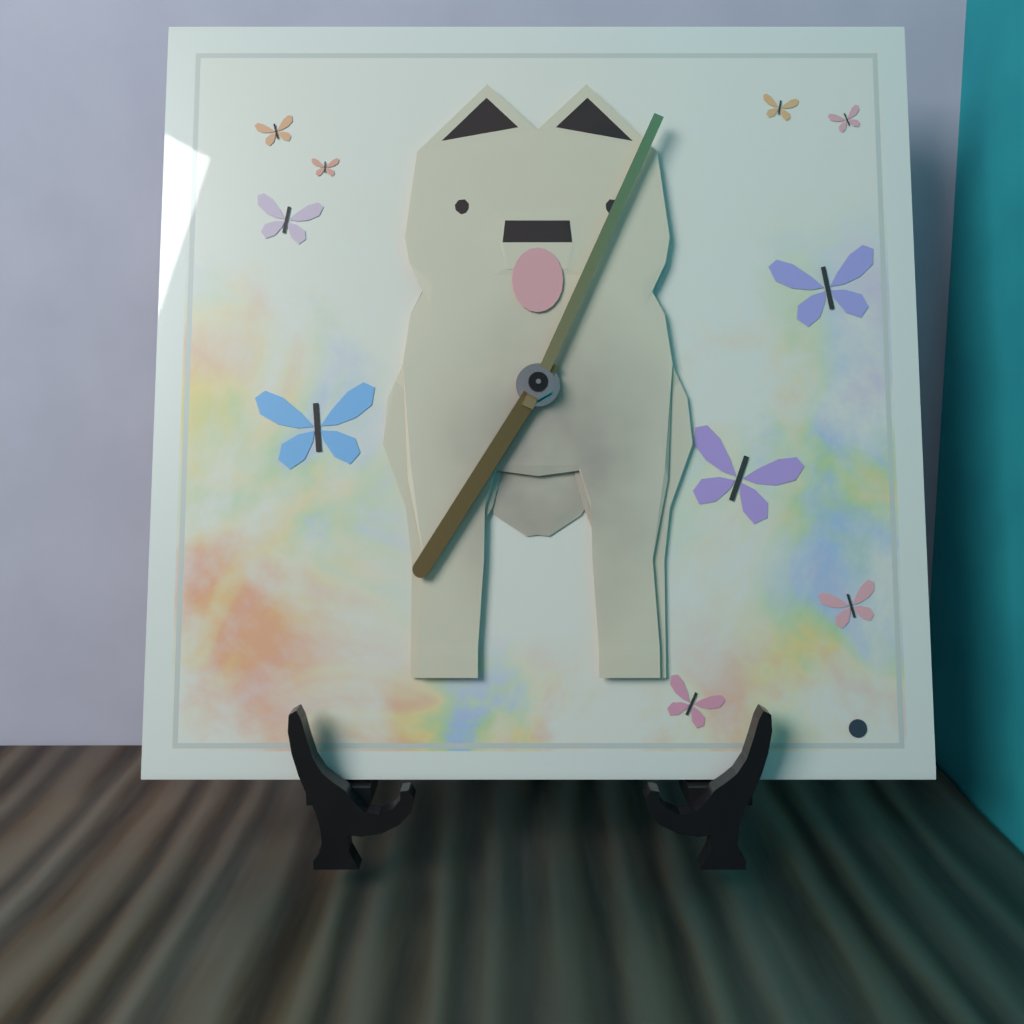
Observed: 7 h 04 min
